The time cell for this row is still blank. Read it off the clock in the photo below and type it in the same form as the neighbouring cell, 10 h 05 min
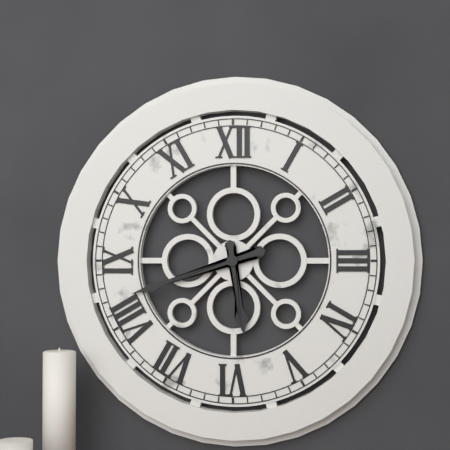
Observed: 5 h 42 min
